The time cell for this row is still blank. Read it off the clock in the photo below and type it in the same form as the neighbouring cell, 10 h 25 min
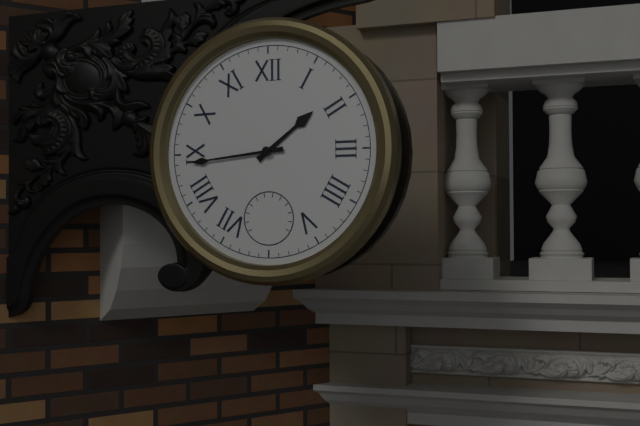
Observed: 1 h 44 min
